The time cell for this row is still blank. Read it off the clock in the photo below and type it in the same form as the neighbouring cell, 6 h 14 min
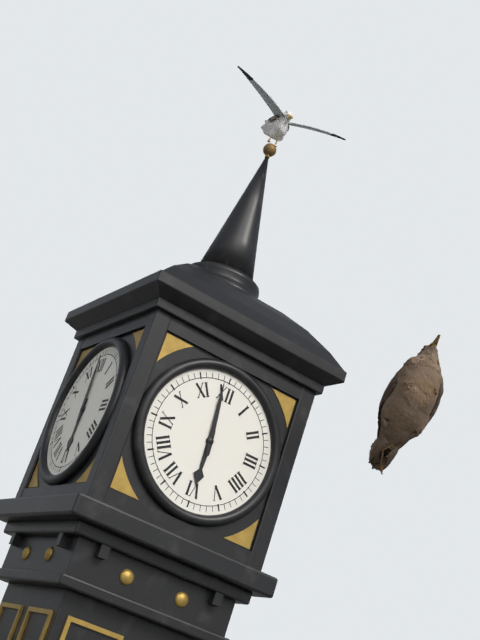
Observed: 5 h 59 min
